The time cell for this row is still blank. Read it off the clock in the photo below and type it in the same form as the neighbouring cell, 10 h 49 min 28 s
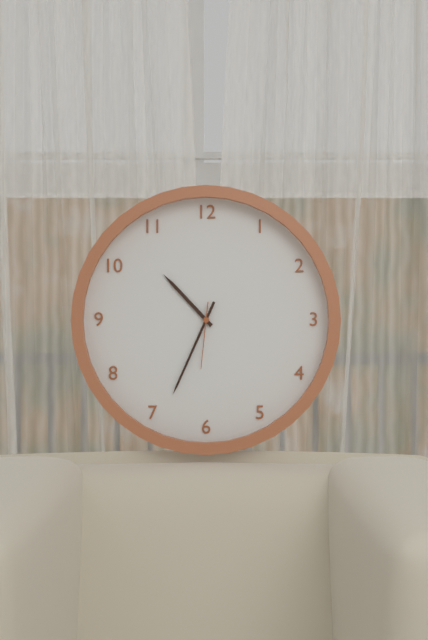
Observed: 10 h 34 min 31 s
